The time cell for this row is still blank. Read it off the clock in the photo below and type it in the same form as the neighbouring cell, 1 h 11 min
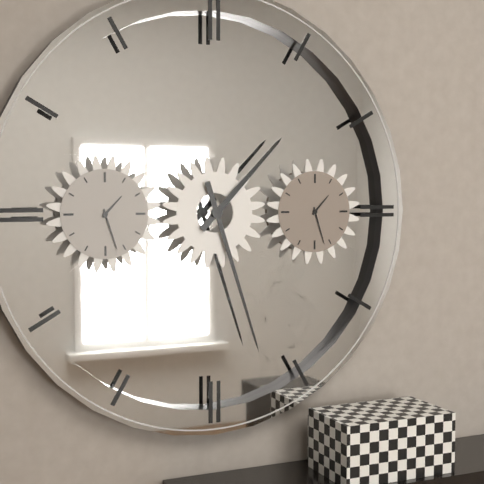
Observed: 1 h 27 min
